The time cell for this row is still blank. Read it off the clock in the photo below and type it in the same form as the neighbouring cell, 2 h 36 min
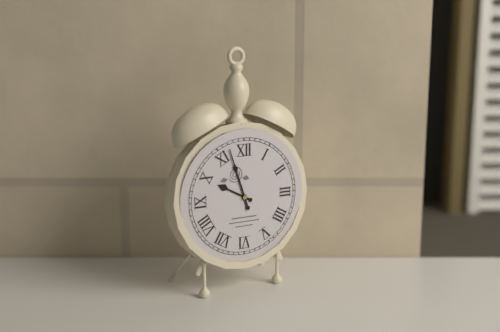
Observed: 9 h 57 min
